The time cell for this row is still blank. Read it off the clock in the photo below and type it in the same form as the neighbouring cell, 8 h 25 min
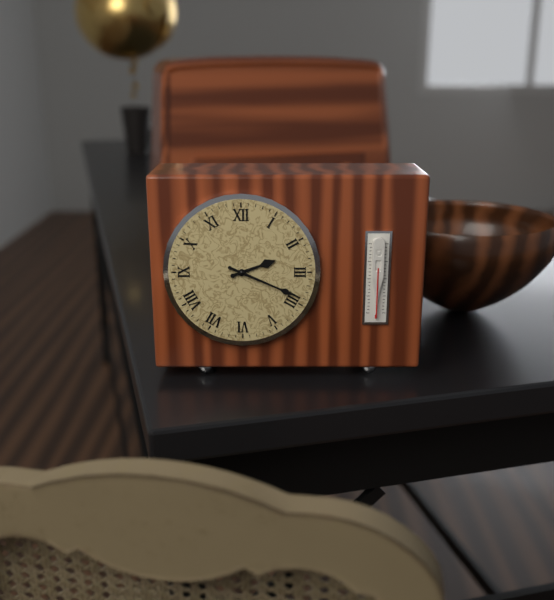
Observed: 2 h 19 min
